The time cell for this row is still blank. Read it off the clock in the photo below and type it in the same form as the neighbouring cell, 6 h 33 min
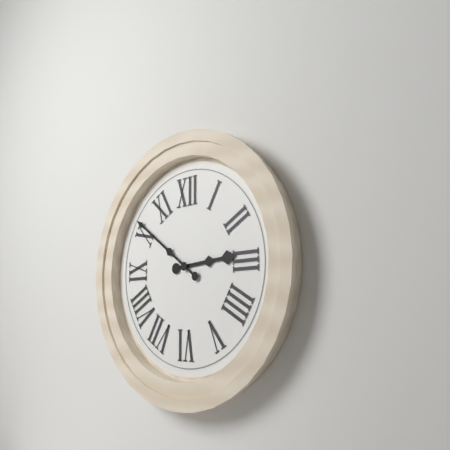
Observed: 2 h 51 min
